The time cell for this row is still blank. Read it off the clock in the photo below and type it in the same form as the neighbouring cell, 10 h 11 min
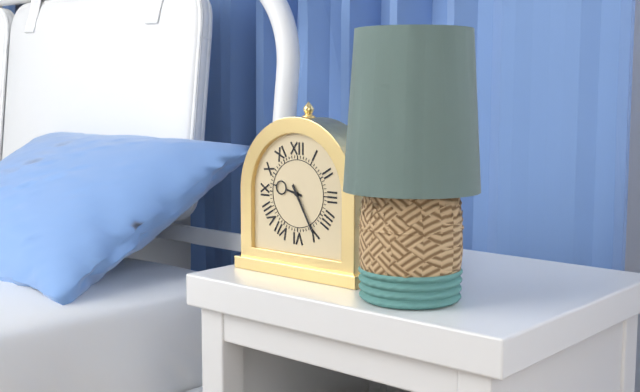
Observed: 9 h 25 min
